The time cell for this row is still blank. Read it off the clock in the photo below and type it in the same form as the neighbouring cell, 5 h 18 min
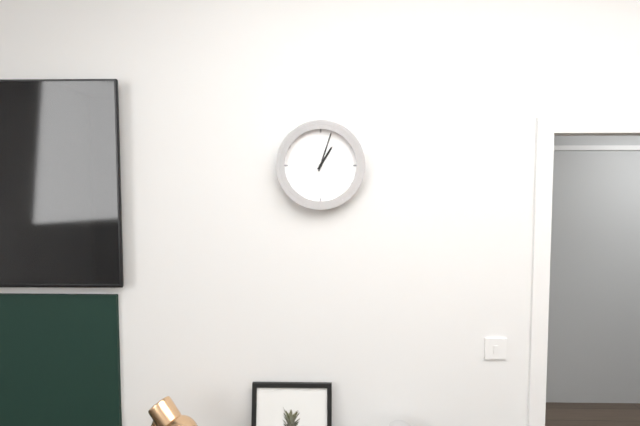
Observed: 1 h 03 min
